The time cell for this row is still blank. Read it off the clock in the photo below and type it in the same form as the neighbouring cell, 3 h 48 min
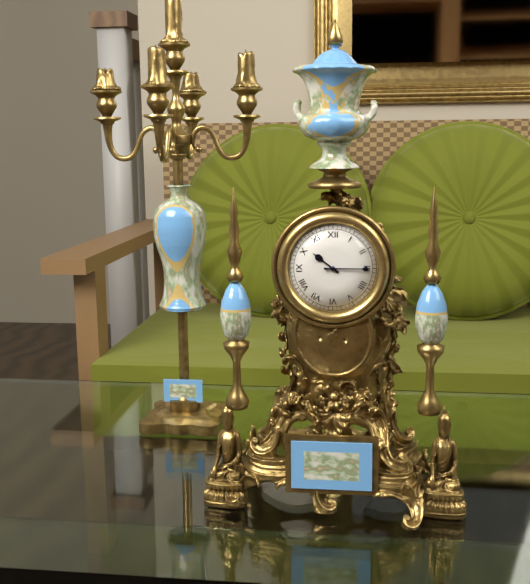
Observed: 10 h 15 min
